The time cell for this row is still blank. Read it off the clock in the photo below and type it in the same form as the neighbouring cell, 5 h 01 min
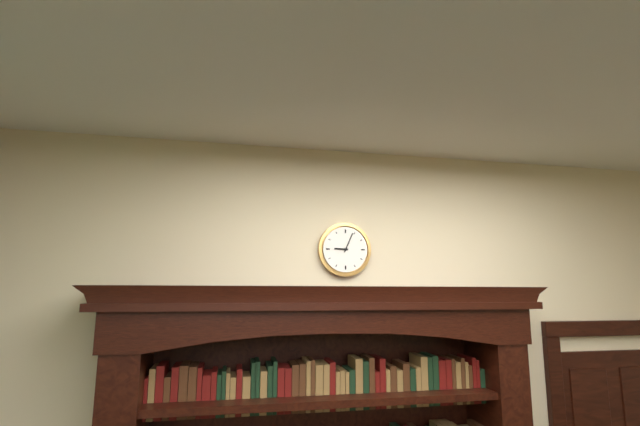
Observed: 9 h 04 min
